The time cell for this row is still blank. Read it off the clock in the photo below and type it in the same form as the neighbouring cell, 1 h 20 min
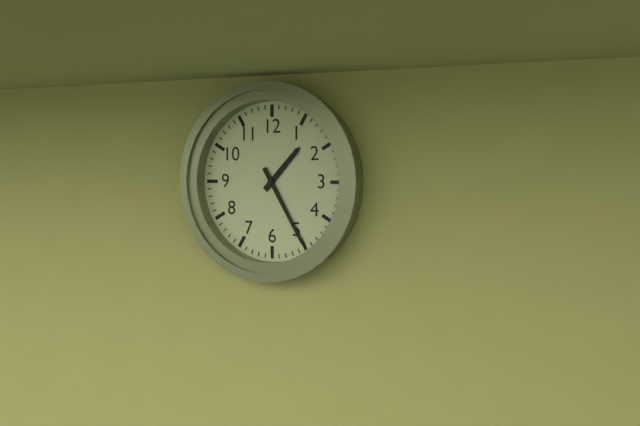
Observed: 1 h 25 min
